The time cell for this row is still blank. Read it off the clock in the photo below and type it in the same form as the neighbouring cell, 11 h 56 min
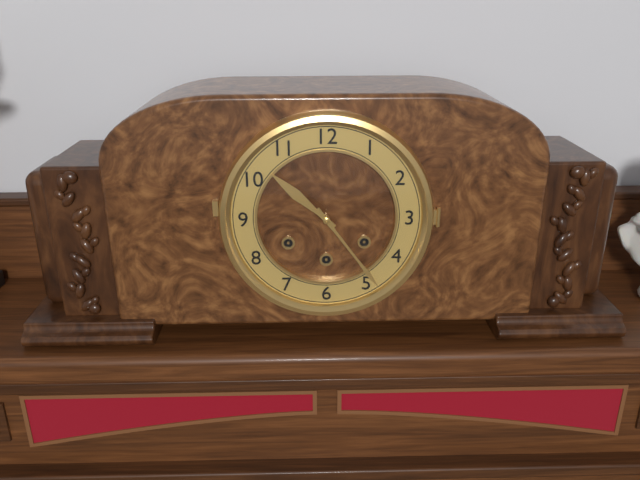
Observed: 10 h 24 min
